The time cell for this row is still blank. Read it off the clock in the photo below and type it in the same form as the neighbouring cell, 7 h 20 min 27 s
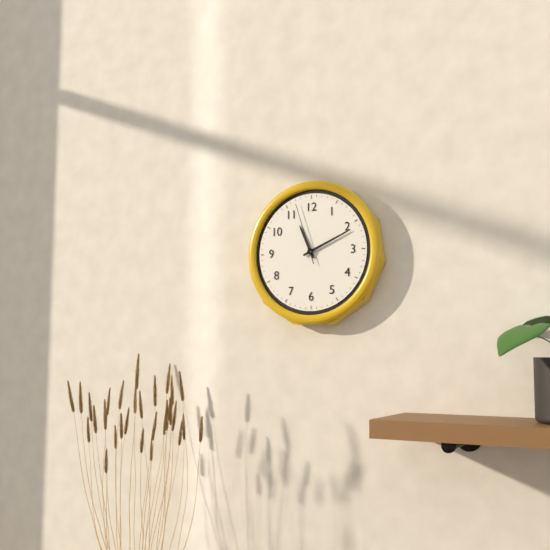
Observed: 11 h 11 min 57 s
